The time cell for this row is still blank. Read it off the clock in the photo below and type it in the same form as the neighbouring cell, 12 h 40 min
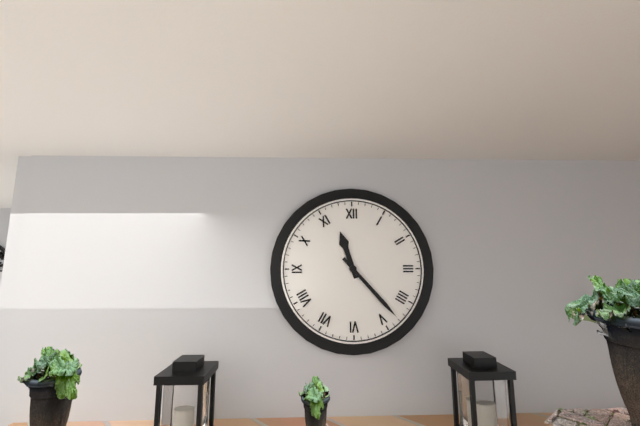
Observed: 11 h 23 min
